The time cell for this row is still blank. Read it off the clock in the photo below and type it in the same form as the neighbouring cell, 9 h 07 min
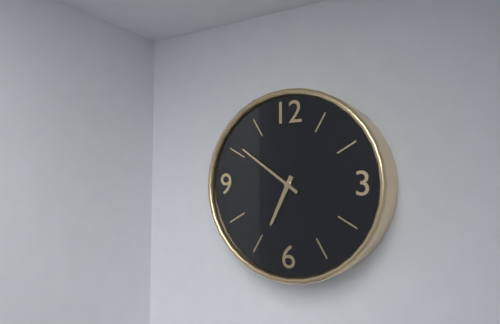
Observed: 6 h 51 min
